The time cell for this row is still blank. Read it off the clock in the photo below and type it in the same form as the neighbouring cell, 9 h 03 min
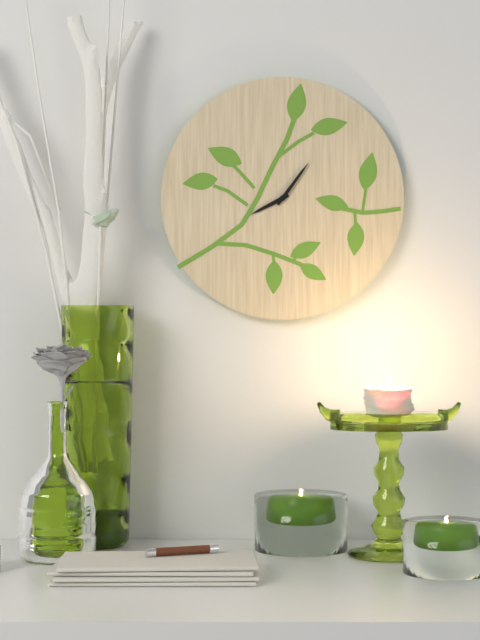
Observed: 8 h 06 min
